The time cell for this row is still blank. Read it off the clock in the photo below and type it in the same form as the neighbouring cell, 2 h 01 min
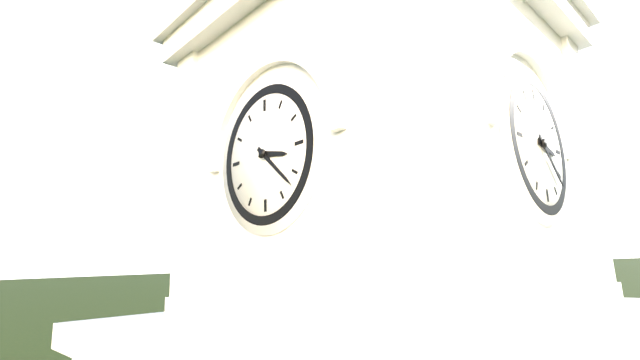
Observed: 3 h 22 min
